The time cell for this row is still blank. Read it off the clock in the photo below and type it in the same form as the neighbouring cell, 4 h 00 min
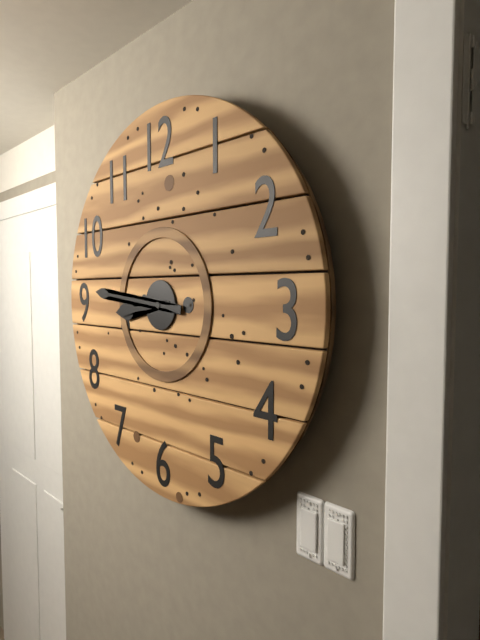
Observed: 8 h 46 min
